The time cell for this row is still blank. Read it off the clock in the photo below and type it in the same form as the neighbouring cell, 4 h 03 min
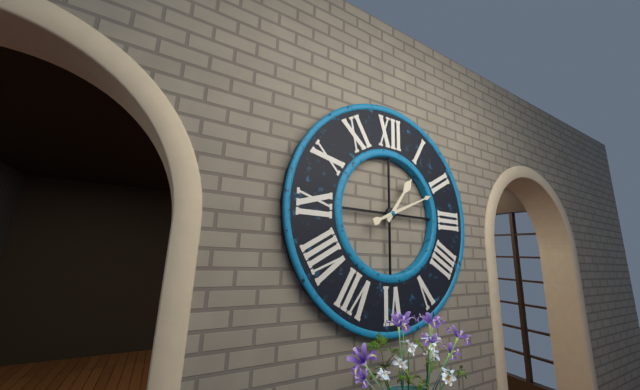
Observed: 1 h 11 min
